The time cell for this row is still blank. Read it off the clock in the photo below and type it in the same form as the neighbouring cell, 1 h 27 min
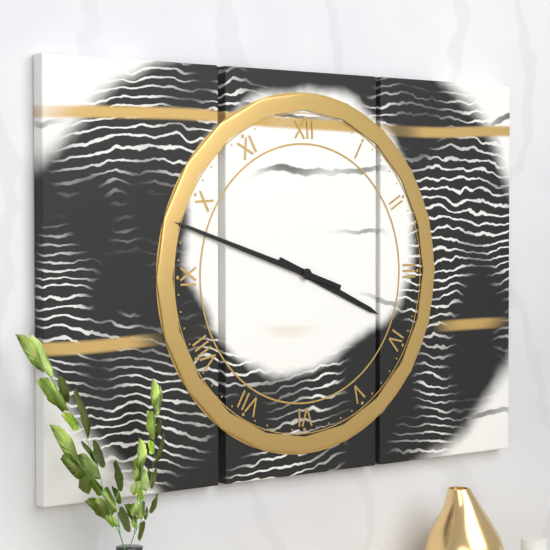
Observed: 3 h 48 min
